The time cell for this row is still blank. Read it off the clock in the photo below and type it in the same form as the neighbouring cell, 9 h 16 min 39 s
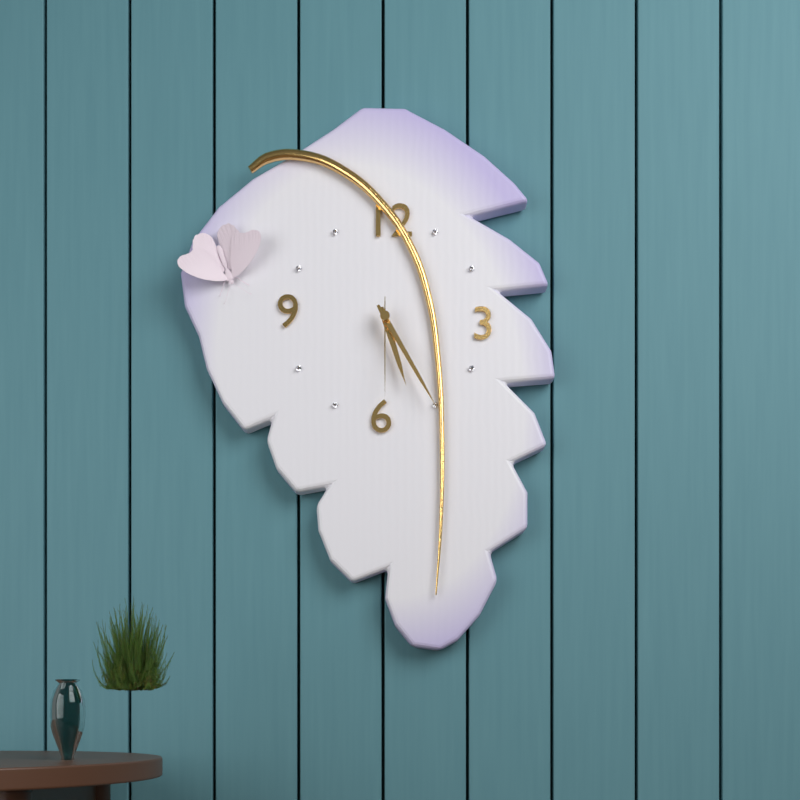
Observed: 5 h 25 min 30 s
